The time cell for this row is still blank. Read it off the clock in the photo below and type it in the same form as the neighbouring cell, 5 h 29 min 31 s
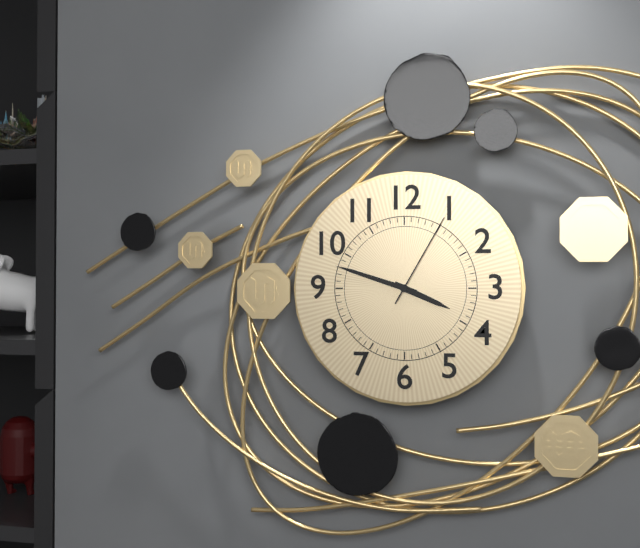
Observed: 3 h 48 min 05 s
